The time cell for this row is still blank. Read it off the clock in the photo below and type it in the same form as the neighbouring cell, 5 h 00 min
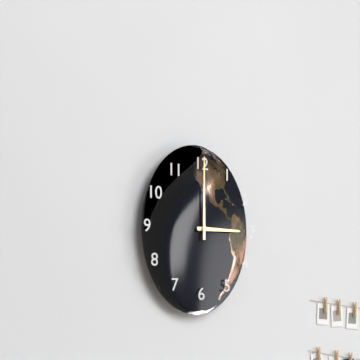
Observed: 3 h 00 min
